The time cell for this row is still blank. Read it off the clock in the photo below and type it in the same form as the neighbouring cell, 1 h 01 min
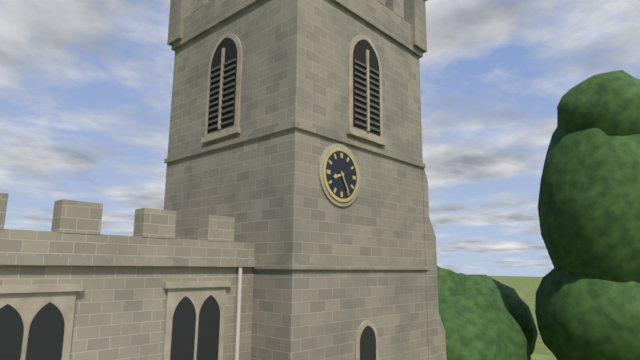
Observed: 8 h 25 min
